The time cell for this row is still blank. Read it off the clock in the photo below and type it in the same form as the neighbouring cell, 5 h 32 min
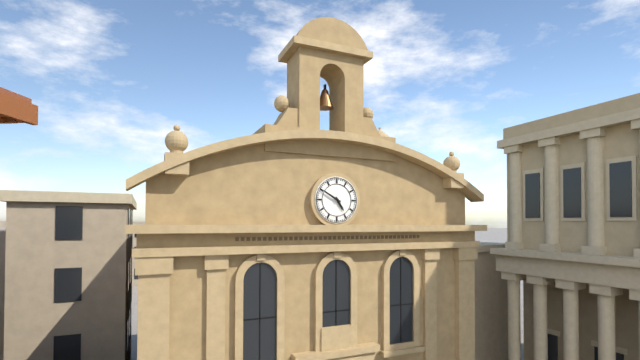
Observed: 4 h 50 min
